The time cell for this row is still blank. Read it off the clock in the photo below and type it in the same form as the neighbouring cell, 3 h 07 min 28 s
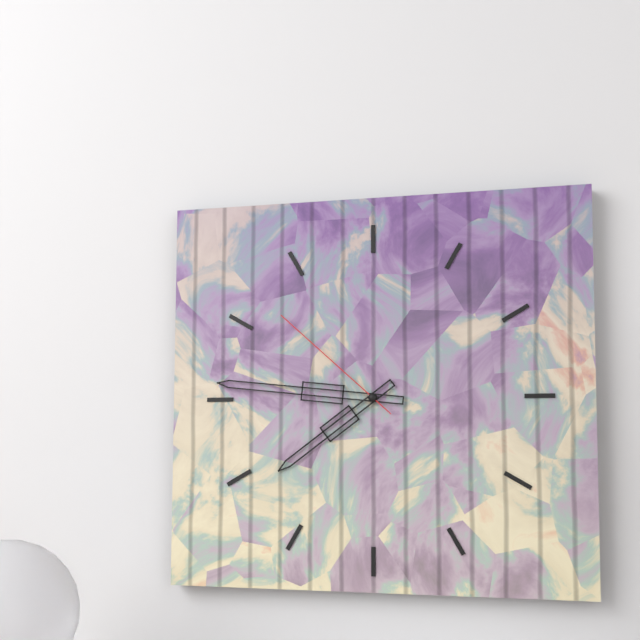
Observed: 7 h 46 min 52 s
